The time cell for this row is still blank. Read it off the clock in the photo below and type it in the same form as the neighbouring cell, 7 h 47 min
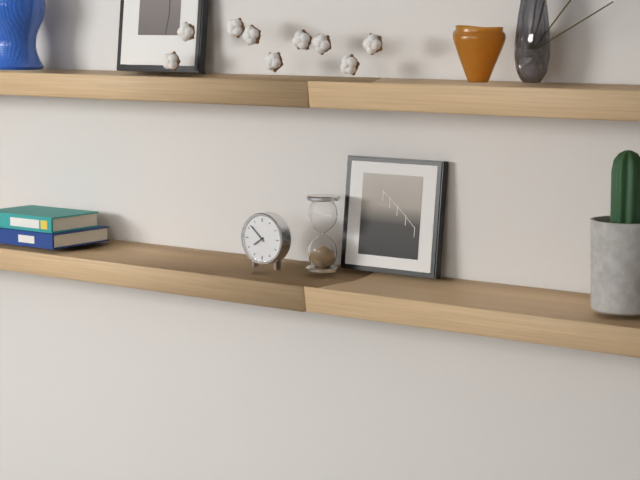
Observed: 7 h 52 min
